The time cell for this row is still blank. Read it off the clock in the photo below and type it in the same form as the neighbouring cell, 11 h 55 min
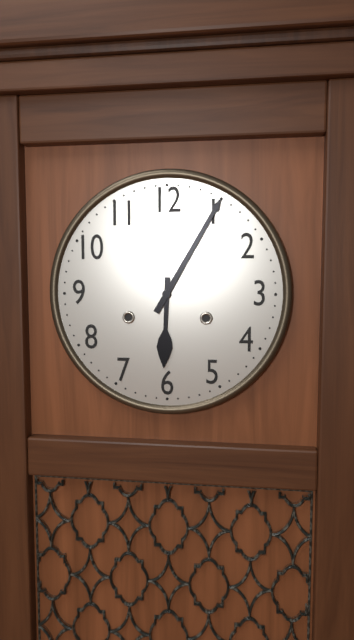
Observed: 6 h 05 min
